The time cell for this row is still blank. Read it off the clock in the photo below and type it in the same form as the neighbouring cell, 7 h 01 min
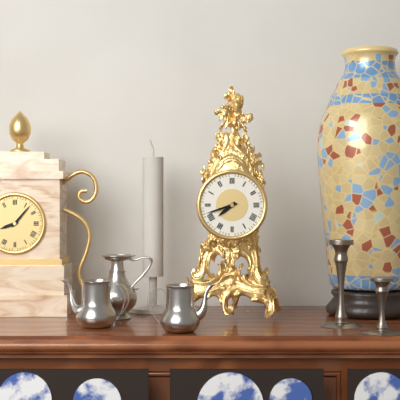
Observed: 7 h 42 min
